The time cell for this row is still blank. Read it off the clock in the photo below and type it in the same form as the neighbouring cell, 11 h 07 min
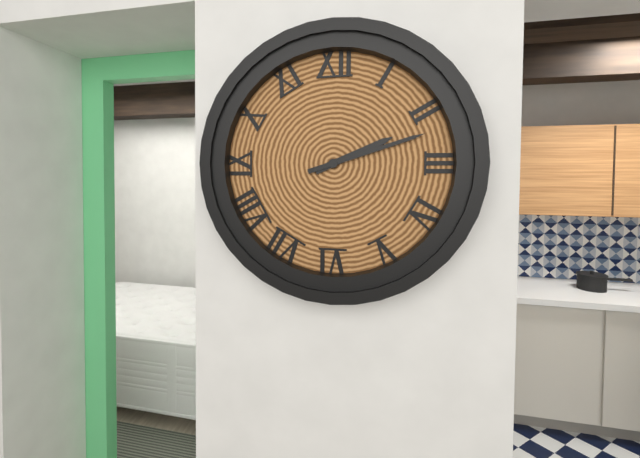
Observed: 2 h 12 min
